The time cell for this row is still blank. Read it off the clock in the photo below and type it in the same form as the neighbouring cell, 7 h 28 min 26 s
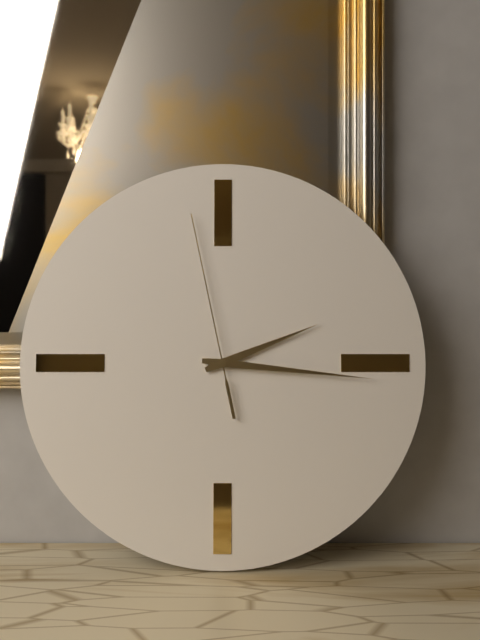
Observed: 2 h 16 min 58 s
